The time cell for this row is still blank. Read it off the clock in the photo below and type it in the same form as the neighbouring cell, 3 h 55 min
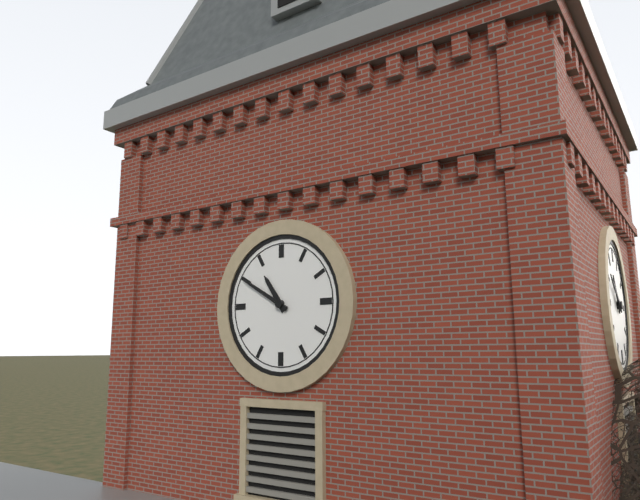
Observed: 10 h 50 min
